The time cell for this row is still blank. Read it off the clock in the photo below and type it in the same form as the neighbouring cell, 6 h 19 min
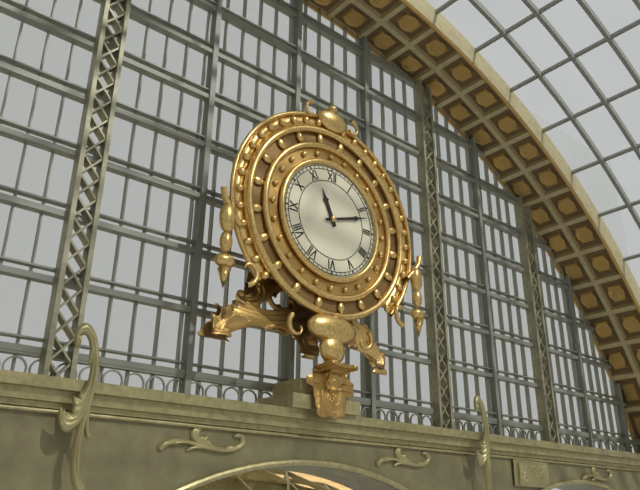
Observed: 11 h 12 min
